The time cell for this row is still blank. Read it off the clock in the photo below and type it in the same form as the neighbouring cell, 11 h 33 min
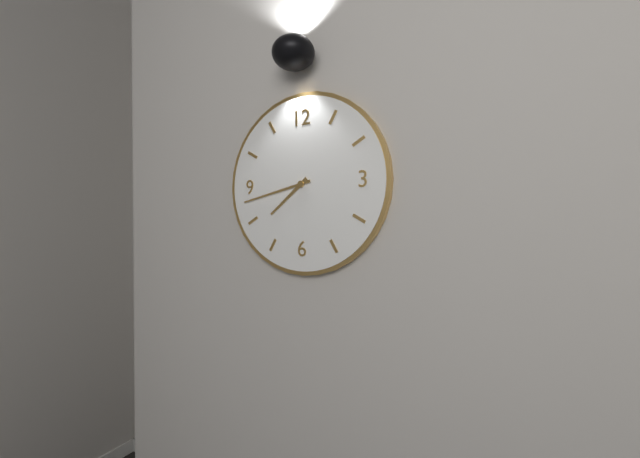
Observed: 7 h 43 min
